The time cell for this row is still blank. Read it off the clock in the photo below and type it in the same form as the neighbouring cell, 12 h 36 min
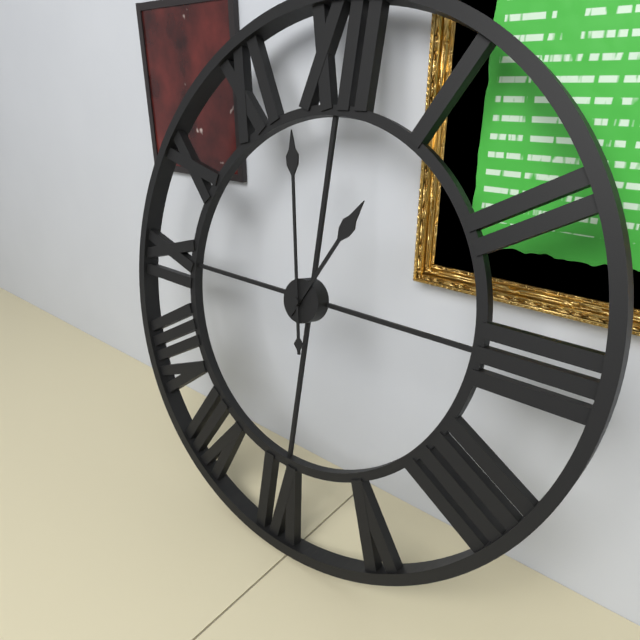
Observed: 12 h 58 min
